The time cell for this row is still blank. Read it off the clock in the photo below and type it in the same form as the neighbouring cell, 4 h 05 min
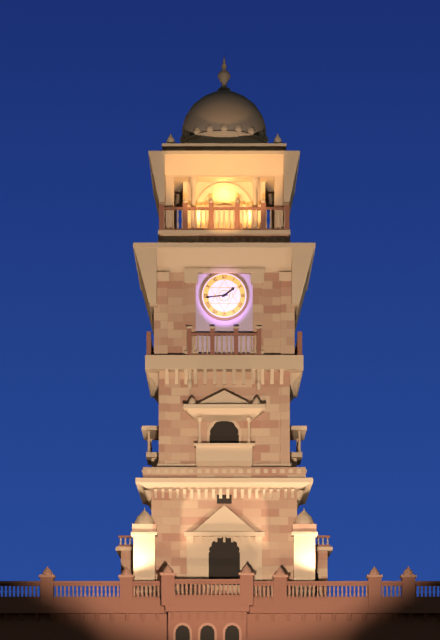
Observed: 1 h 44 min
